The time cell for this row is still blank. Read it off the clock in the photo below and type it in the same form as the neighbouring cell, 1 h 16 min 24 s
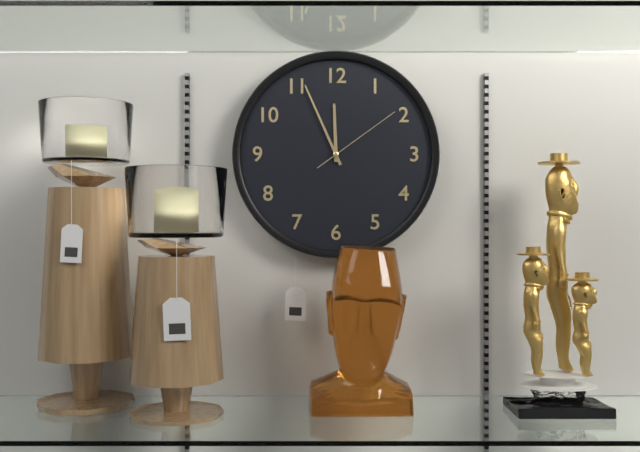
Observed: 11 h 56 min 09 s
